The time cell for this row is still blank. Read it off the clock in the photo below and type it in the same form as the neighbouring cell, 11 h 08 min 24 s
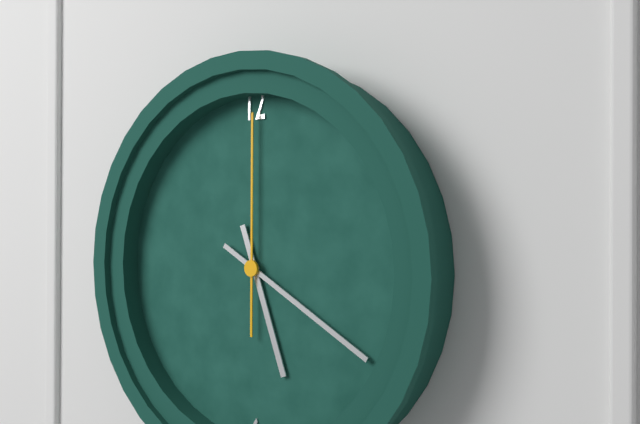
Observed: 5 h 20 min 00 s
